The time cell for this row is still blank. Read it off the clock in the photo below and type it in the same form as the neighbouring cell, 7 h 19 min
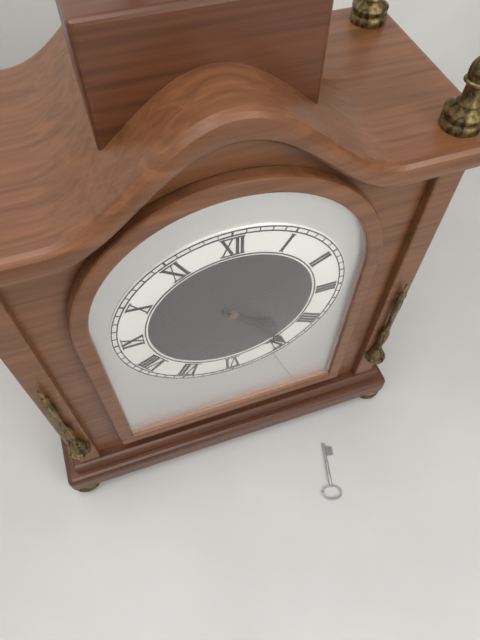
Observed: 4 h 24 min
